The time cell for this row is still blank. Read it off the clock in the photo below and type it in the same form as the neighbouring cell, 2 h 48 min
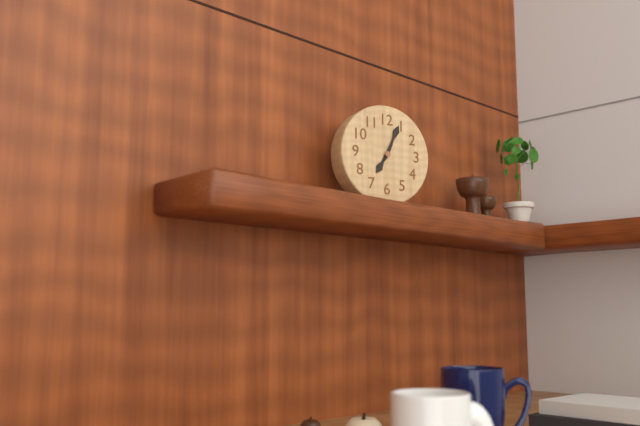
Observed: 7 h 04 min
